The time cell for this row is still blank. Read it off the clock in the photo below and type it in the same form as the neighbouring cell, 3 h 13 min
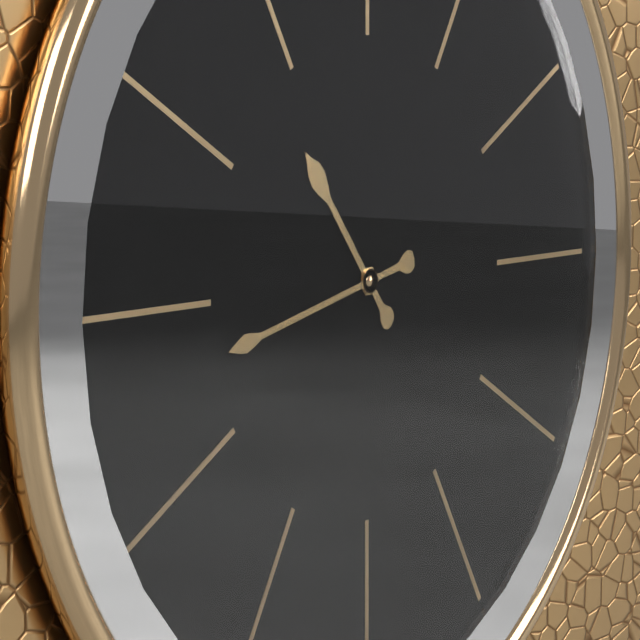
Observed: 10 h 43 min
